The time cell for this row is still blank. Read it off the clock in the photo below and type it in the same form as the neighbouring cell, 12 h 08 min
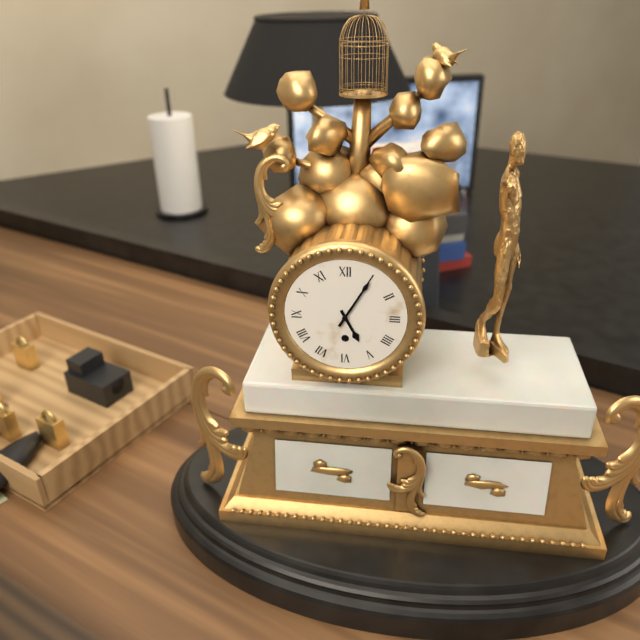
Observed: 5 h 05 min
